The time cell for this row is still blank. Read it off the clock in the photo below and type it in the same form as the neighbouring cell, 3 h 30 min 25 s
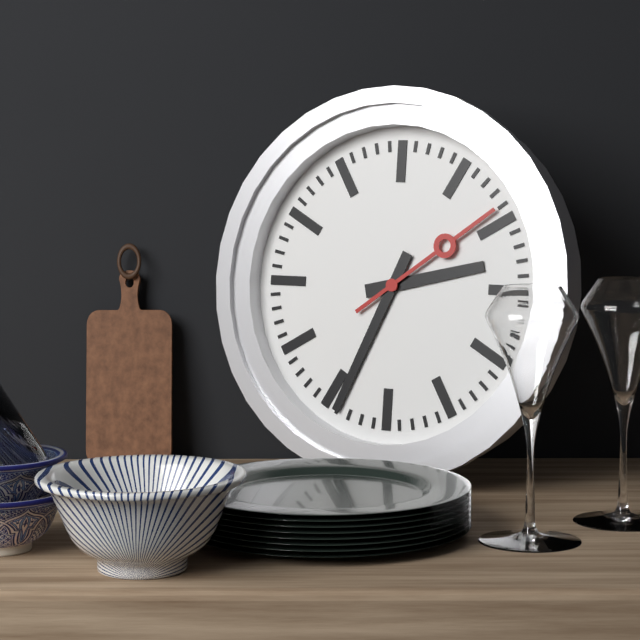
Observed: 2 h 34 min 09 s
